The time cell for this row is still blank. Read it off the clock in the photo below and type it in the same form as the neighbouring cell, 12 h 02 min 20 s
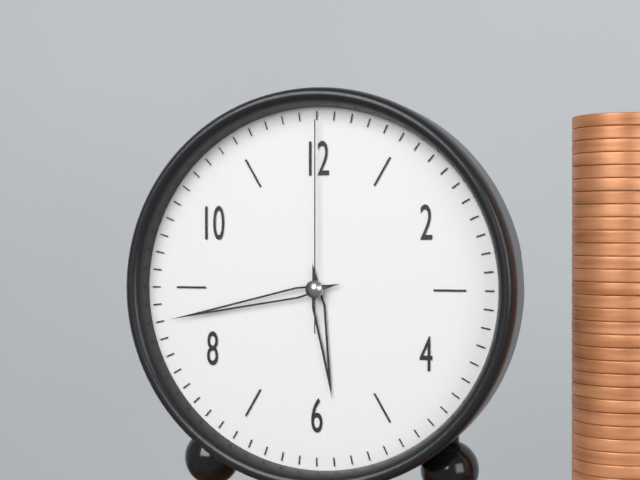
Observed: 5 h 43 min 00 s
